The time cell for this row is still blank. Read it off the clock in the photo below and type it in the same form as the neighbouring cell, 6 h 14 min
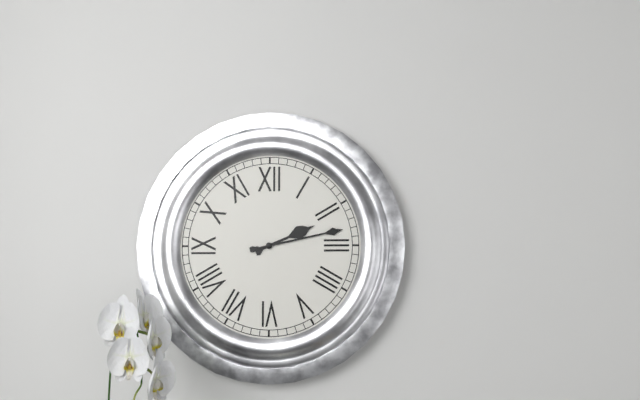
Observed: 2 h 13 min
